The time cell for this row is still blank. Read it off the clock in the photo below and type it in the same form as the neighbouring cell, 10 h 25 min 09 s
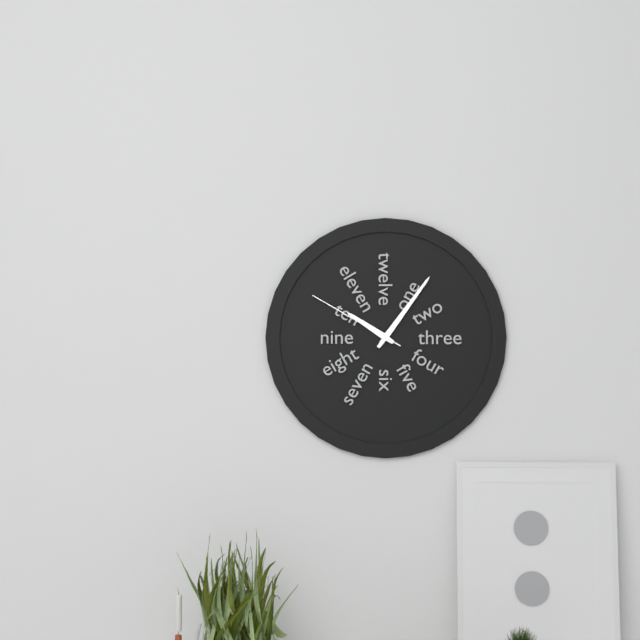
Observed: 10 h 06 min 50 s
